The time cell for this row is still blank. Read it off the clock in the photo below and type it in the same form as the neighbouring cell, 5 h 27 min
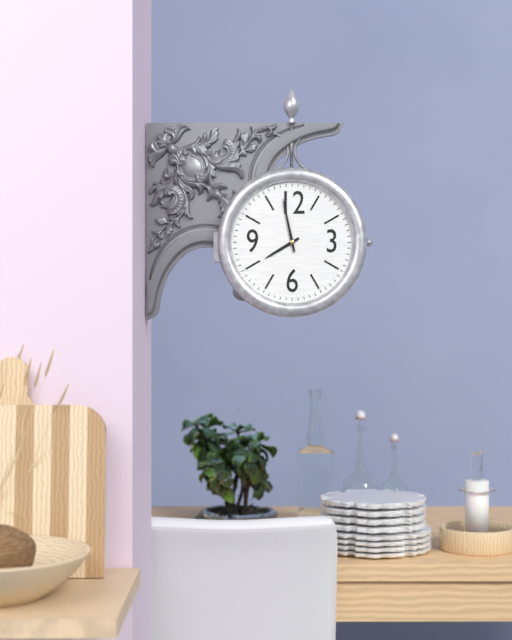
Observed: 7 h 58 min
